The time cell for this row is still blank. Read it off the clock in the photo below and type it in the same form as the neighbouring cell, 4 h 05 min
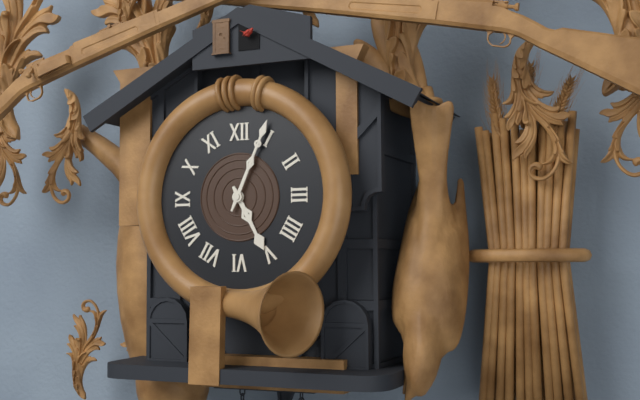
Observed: 5 h 04 min
